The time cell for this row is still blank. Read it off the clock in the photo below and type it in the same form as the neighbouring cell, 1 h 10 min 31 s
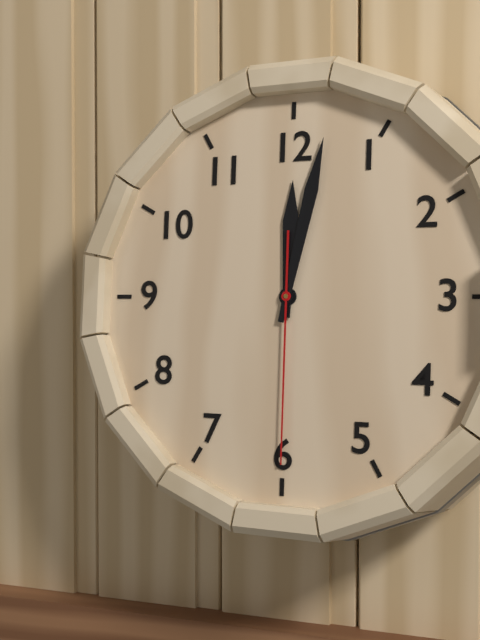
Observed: 12 h 02 min 30 s
